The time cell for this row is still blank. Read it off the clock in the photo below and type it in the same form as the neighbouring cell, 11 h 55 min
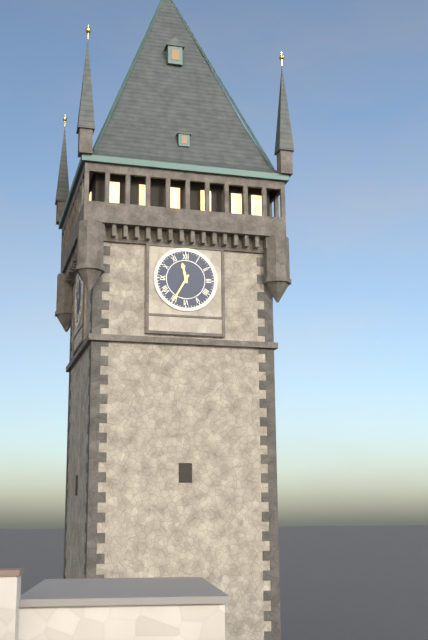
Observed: 11 h 35 min
